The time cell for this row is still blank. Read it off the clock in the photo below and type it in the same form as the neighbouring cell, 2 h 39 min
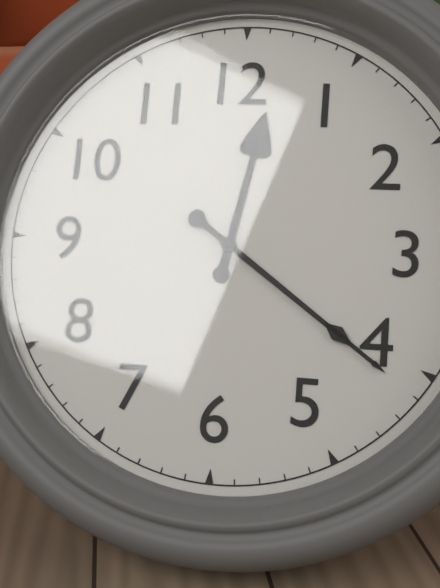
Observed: 12 h 21 min
